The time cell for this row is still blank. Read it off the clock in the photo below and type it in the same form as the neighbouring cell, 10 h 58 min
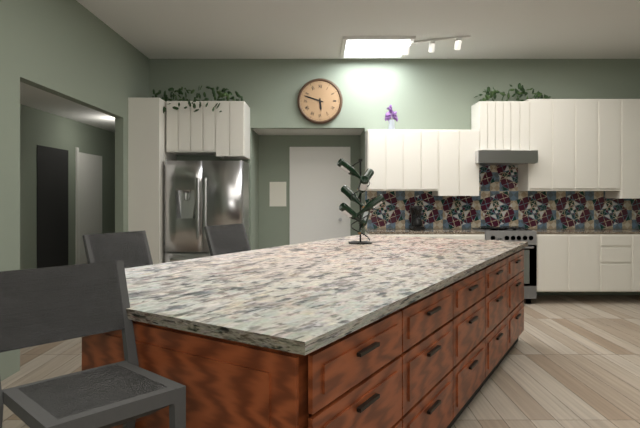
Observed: 5 h 48 min
